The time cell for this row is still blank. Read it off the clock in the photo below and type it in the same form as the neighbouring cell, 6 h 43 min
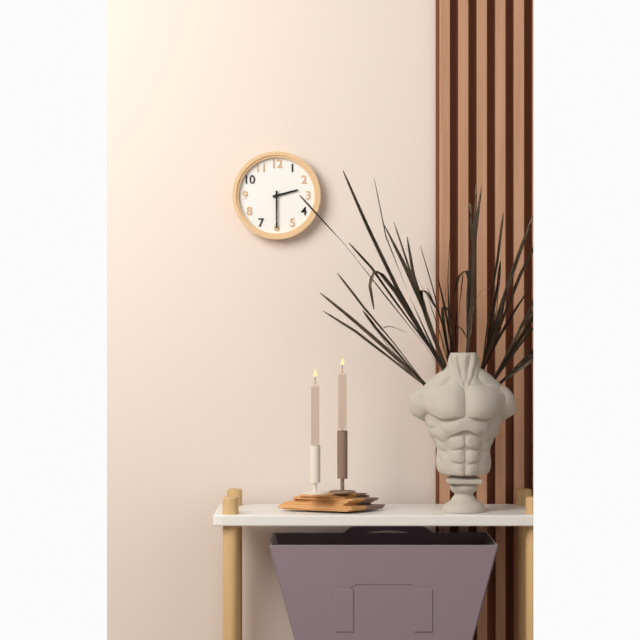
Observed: 2 h 30 min
